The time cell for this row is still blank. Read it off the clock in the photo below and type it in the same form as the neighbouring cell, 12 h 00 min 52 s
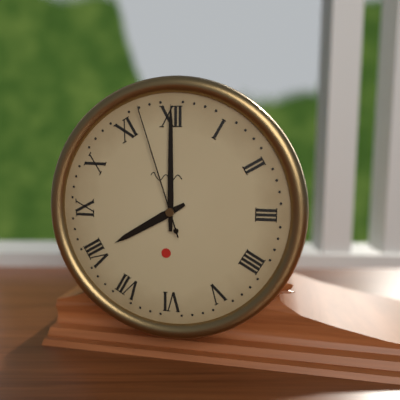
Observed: 8 h 00 min 57 s
